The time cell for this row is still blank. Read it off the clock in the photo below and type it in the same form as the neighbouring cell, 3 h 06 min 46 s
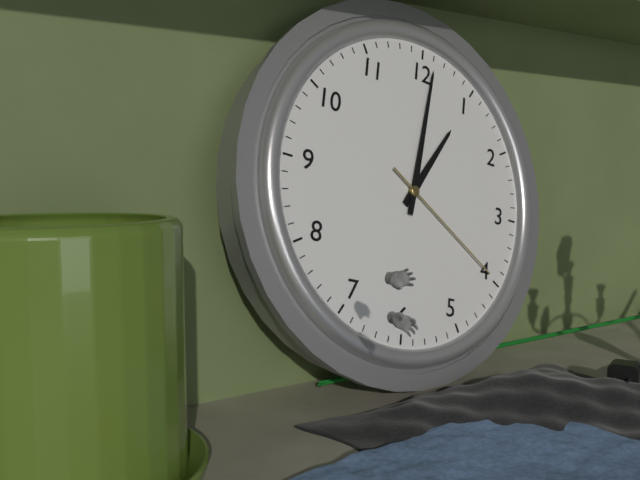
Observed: 1 h 01 min 20 s
